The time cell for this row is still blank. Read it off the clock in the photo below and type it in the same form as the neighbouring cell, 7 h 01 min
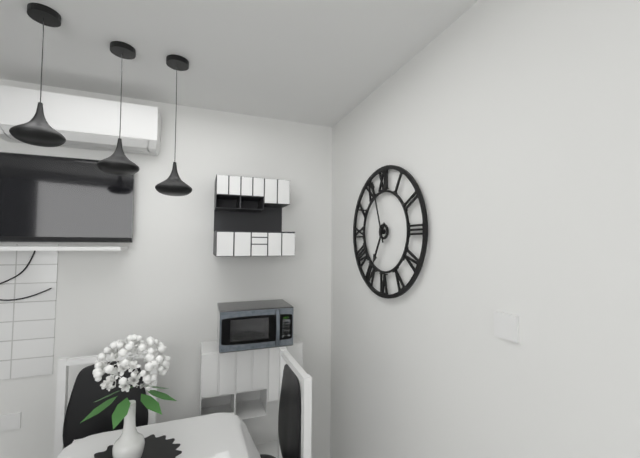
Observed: 6 h 57 min
